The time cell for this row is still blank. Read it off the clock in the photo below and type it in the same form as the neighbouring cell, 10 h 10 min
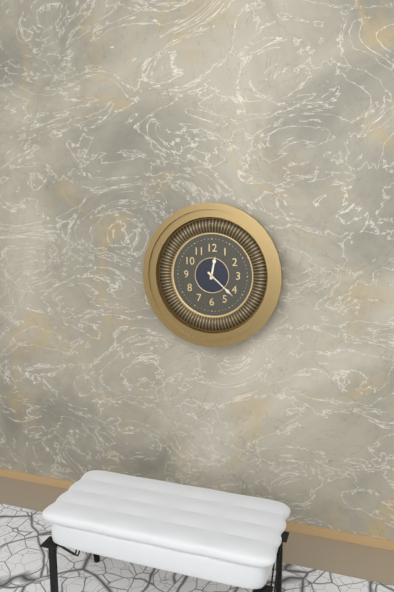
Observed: 12 h 22 min
